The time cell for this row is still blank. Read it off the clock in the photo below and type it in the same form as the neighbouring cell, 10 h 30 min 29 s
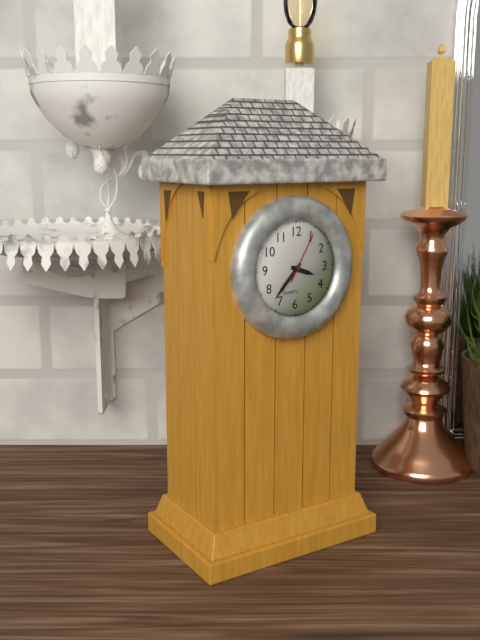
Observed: 3 h 37 min 05 s
